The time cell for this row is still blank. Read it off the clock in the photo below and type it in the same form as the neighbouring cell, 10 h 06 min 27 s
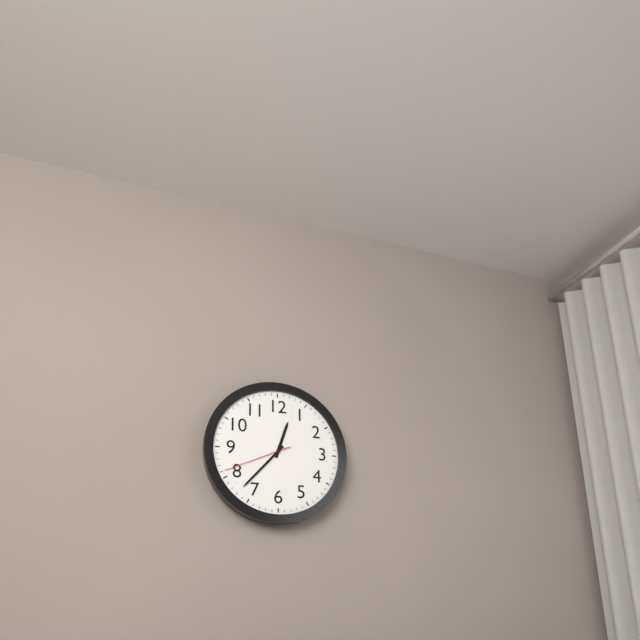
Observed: 12 h 37 min 41 s
